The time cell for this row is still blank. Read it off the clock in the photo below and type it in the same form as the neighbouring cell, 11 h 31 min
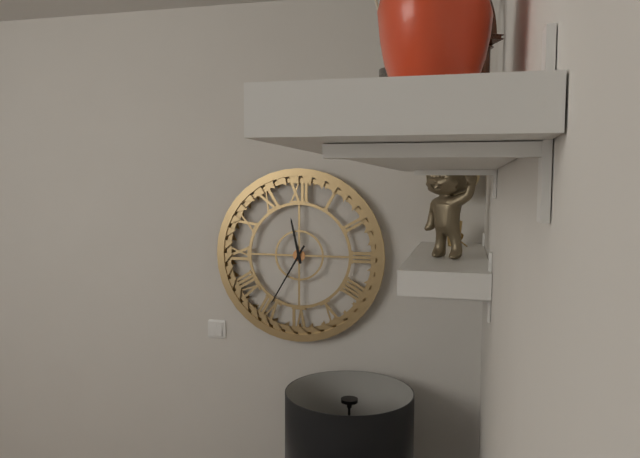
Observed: 11 h 35 min
